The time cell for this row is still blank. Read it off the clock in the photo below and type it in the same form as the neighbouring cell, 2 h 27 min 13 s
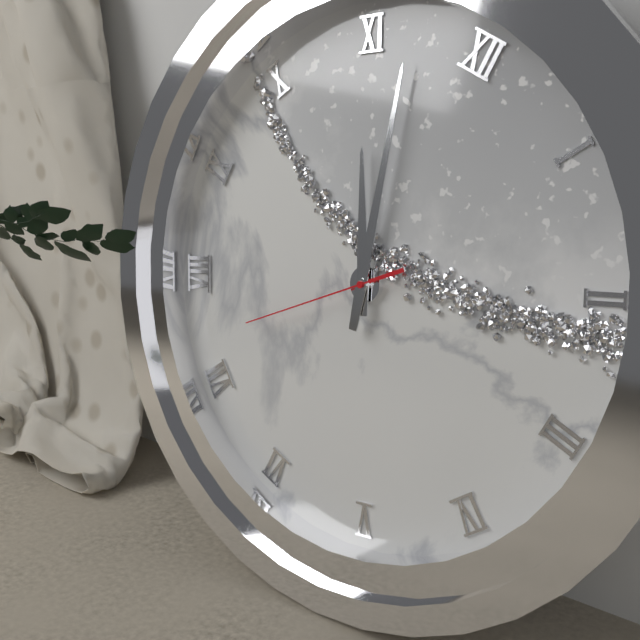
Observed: 10 h 57 min 37 s
